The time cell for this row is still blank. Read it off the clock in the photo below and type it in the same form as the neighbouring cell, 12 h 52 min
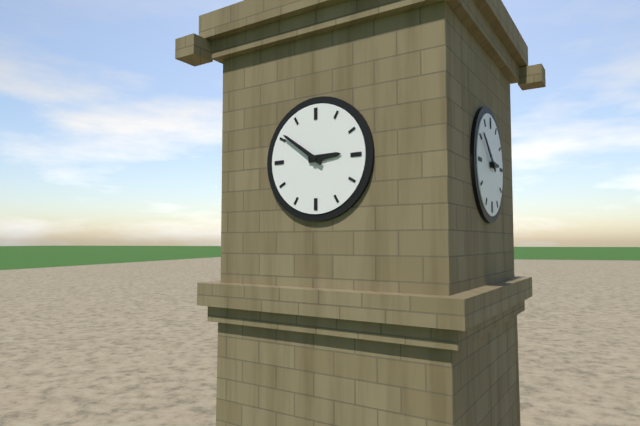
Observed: 2 h 51 min
